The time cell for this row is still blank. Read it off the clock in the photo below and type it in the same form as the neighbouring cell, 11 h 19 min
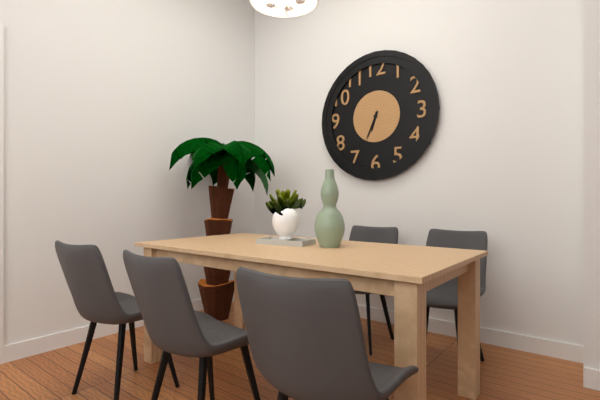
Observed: 6 h 34 min
